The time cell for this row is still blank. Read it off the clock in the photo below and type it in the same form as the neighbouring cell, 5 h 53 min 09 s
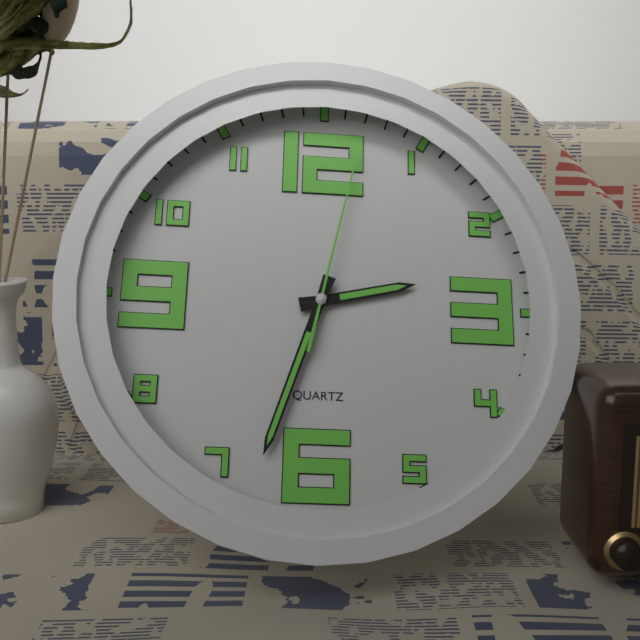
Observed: 2 h 33 min 02 s
